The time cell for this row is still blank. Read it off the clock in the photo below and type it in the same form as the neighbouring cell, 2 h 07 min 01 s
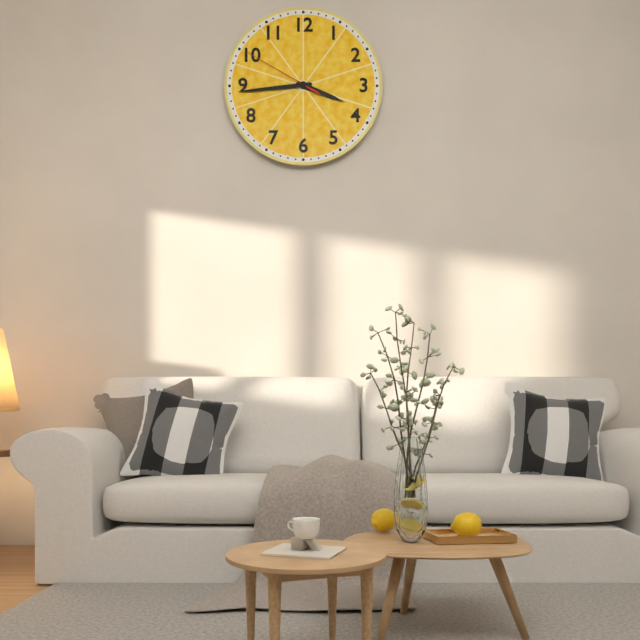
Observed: 3 h 44 min 50 s
